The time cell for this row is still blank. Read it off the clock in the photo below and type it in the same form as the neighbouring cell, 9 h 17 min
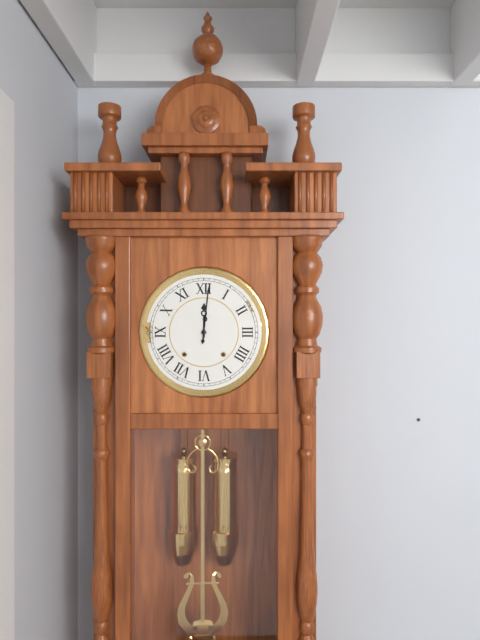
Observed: 12 h 01 min
